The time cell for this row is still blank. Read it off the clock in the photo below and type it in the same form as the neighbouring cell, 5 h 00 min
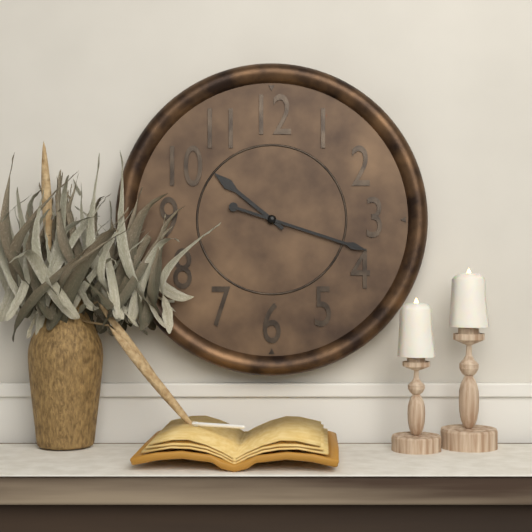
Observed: 10 h 18 min
